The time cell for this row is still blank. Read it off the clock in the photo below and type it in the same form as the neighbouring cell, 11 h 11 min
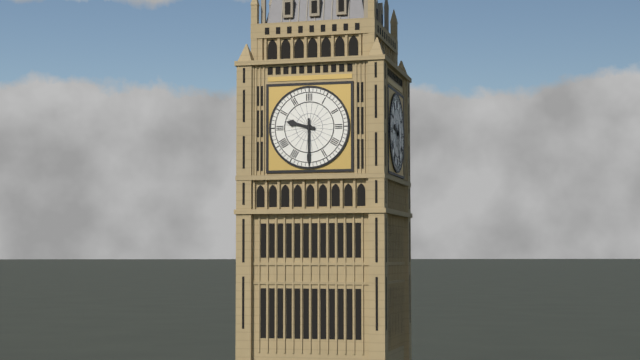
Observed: 9 h 30 min
